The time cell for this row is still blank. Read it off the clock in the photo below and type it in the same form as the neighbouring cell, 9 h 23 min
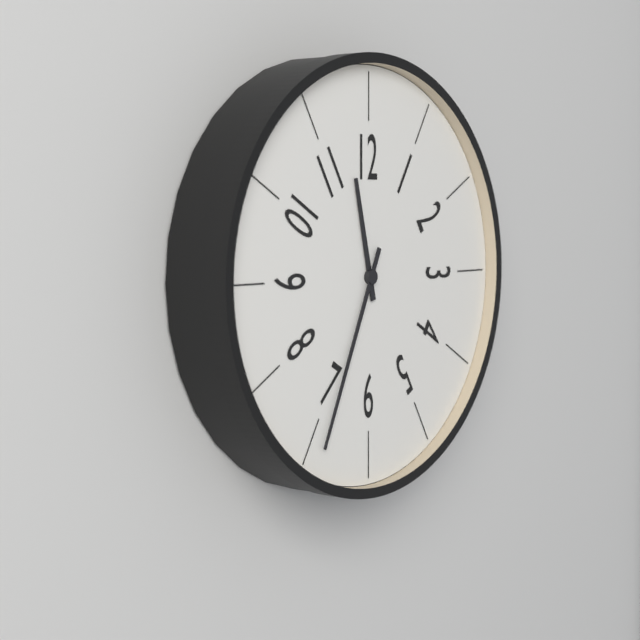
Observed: 11 h 34 min
